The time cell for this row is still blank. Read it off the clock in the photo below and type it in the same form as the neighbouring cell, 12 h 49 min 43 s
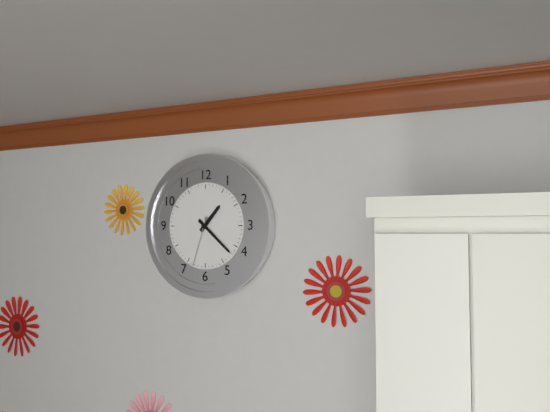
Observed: 1 h 22 min 33 s
